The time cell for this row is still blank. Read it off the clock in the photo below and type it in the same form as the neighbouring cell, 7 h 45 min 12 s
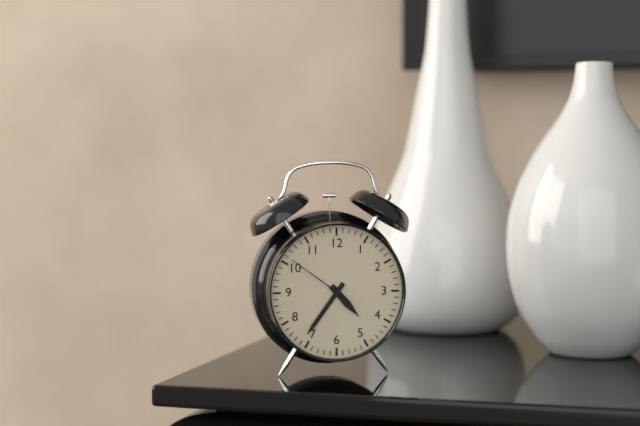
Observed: 4 h 36 min 51 s
